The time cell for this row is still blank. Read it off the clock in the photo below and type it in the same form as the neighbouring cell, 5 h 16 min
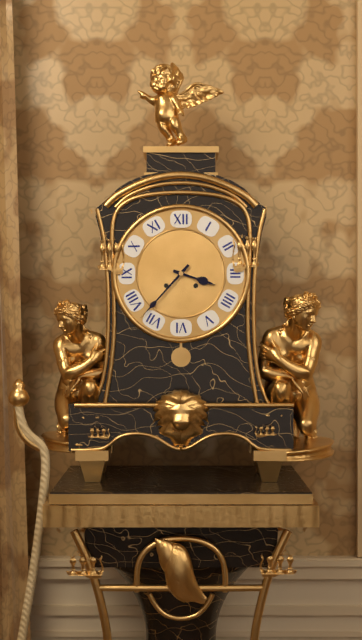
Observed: 3 h 37 min
